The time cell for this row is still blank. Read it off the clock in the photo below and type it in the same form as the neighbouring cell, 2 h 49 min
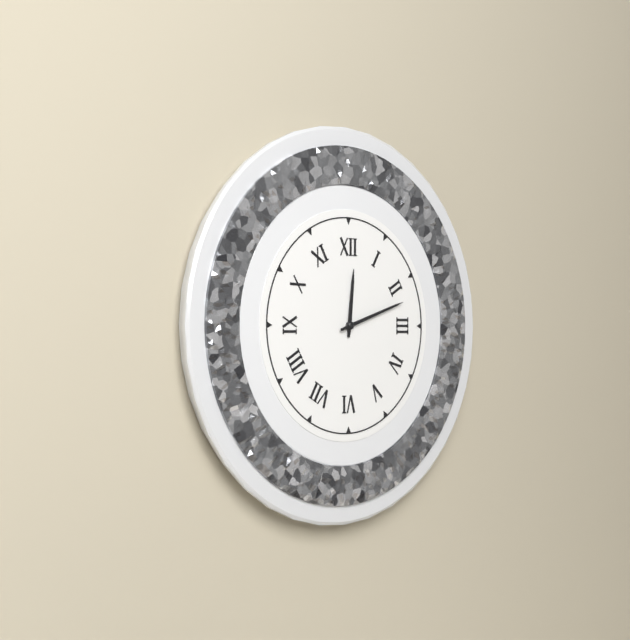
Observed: 12 h 12 min
